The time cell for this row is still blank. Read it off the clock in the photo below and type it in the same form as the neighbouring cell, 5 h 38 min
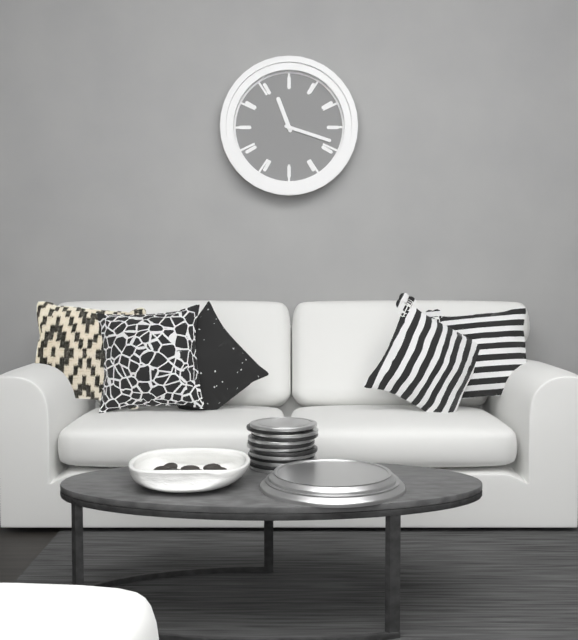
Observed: 11 h 18 min
